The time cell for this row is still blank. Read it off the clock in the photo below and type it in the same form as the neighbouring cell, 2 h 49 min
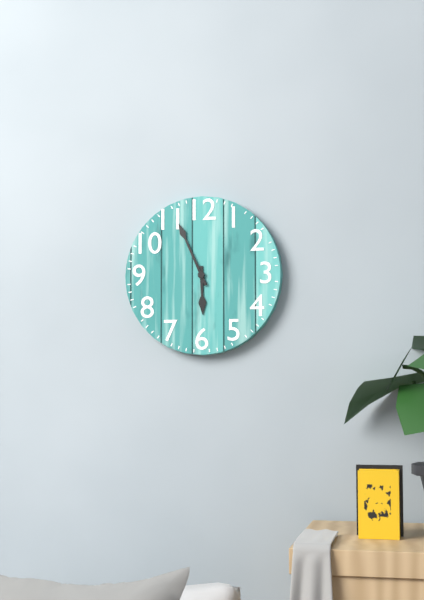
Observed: 5 h 56 min
